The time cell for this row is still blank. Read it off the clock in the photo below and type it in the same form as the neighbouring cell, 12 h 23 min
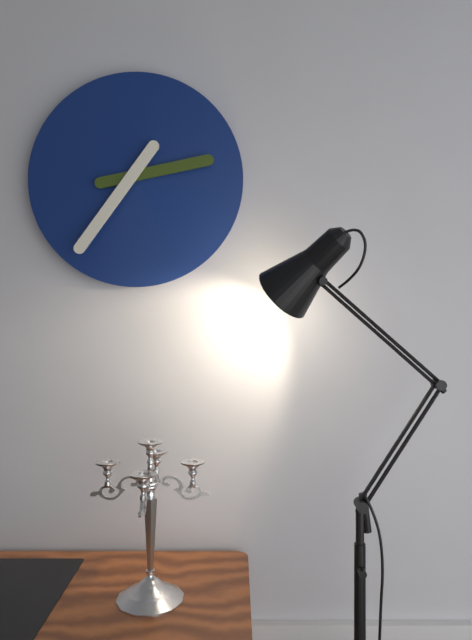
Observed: 2 h 36 min
